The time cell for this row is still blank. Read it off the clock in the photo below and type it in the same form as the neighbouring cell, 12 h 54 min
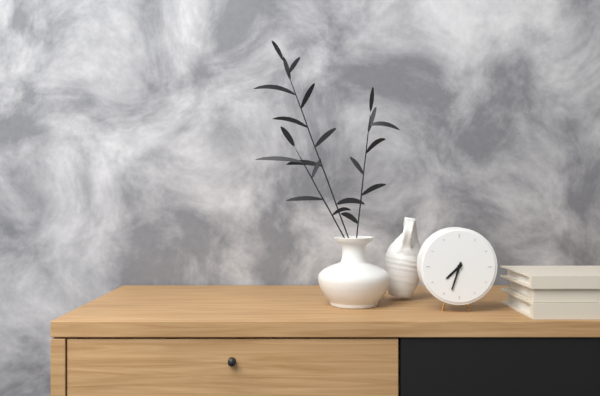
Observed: 7 h 33 min
